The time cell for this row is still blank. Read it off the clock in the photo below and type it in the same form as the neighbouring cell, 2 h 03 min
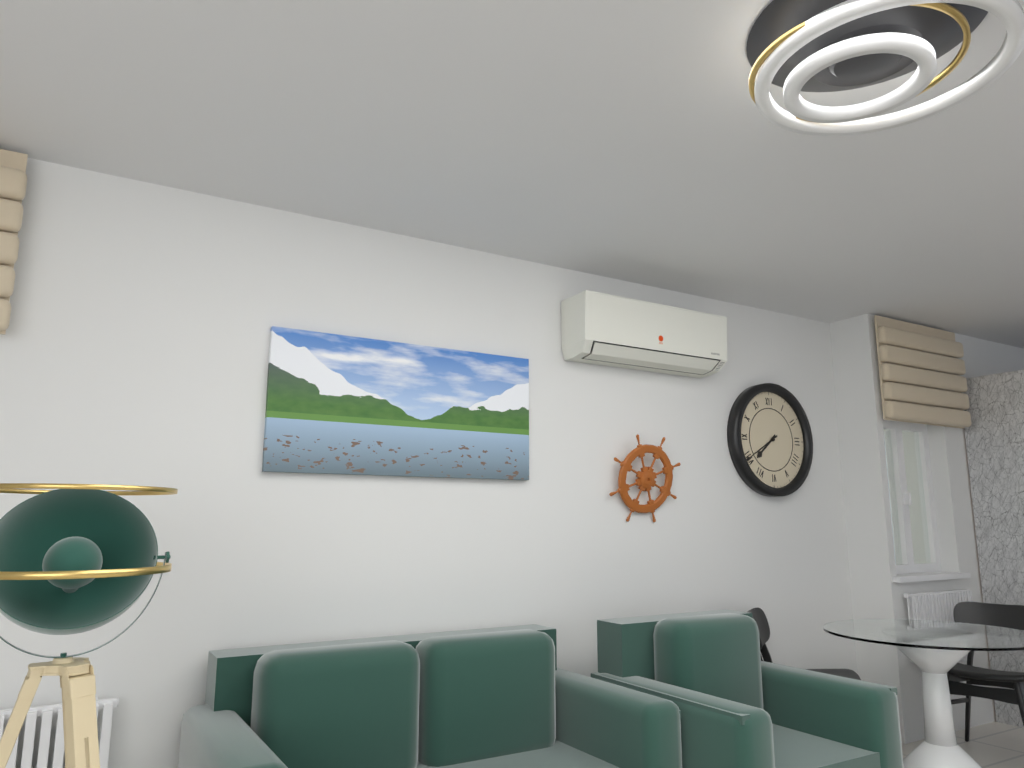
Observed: 7 h 40 min
